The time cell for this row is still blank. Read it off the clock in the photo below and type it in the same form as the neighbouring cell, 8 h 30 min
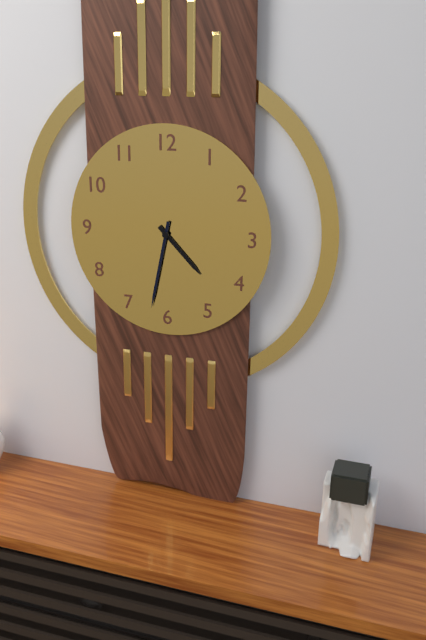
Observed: 4 h 32 min
